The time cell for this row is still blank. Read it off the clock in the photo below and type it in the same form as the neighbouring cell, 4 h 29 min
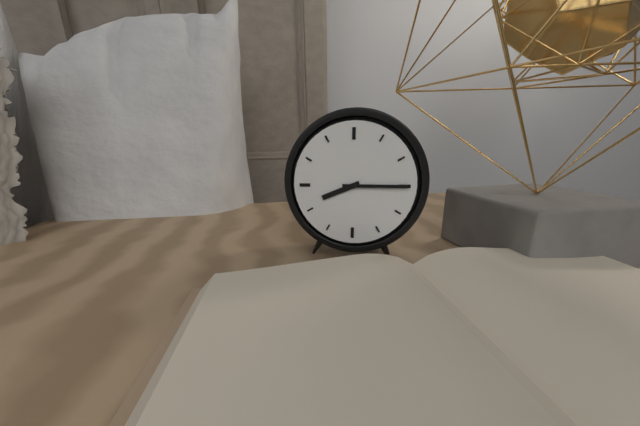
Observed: 8 h 15 min
